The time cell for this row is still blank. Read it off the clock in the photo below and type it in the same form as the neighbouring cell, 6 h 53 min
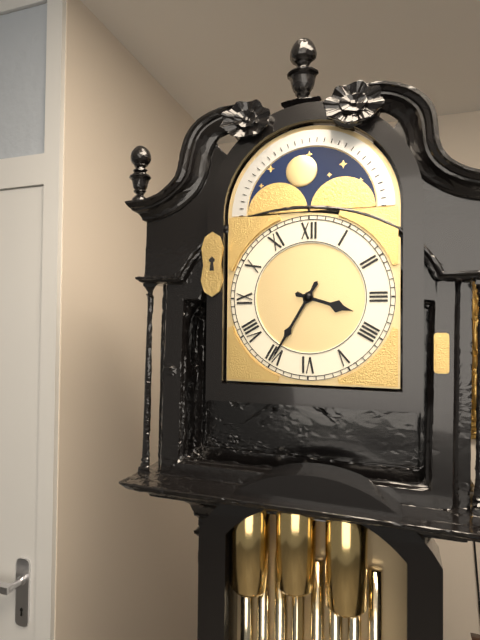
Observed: 3 h 35 min
